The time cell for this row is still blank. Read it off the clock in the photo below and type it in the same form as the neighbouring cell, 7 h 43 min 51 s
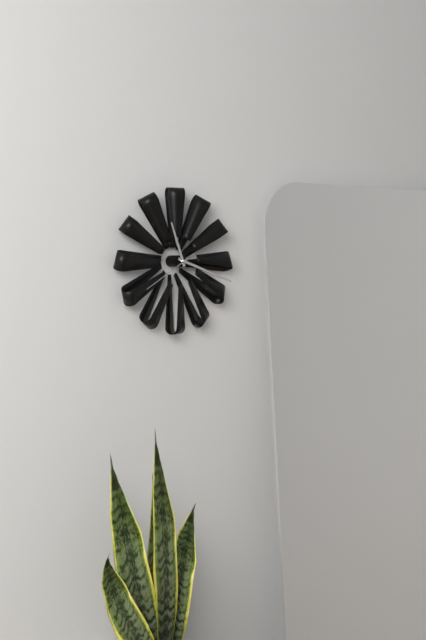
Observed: 11 h 18 min 40 s
